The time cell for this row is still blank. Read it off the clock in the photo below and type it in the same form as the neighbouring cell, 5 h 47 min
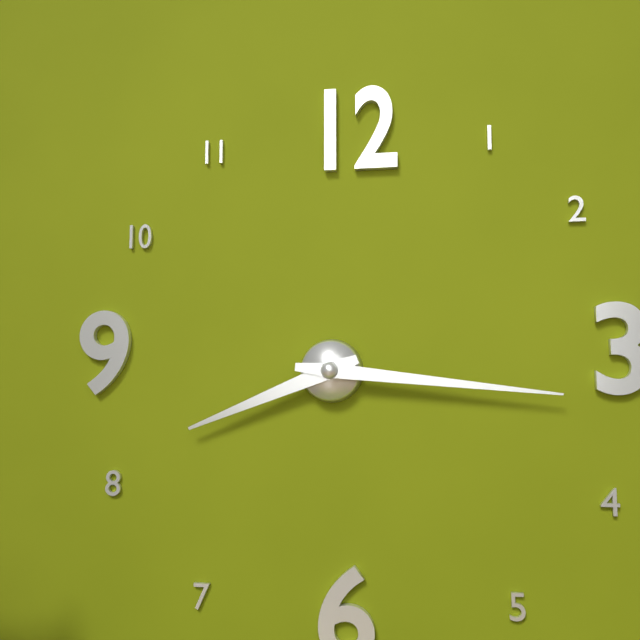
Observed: 8 h 16 min
